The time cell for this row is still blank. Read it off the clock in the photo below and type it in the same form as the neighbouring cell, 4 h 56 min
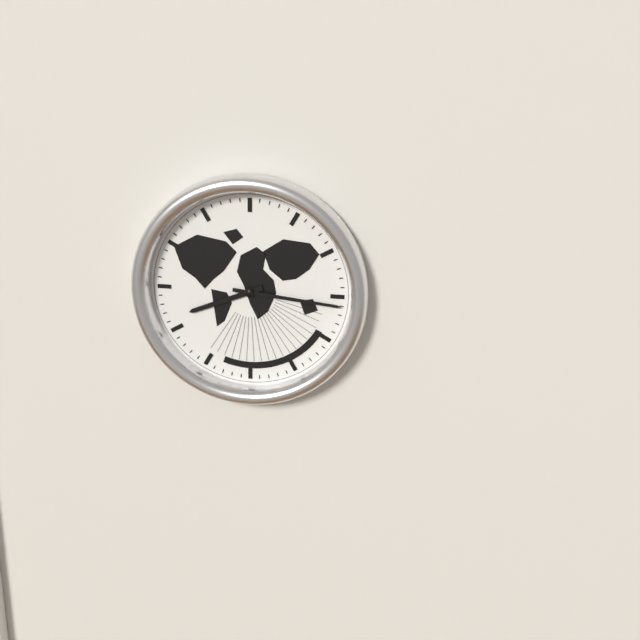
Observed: 8 h 16 min
